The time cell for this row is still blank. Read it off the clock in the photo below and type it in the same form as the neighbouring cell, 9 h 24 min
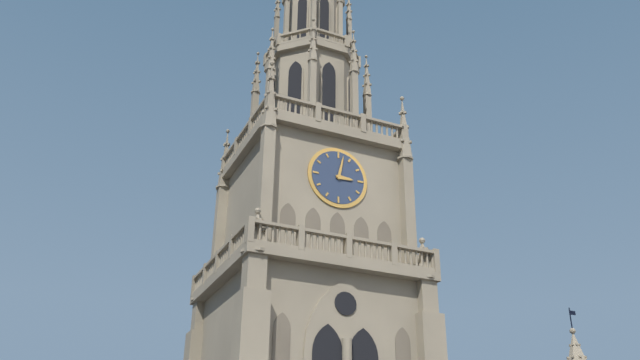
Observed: 3 h 02 min
